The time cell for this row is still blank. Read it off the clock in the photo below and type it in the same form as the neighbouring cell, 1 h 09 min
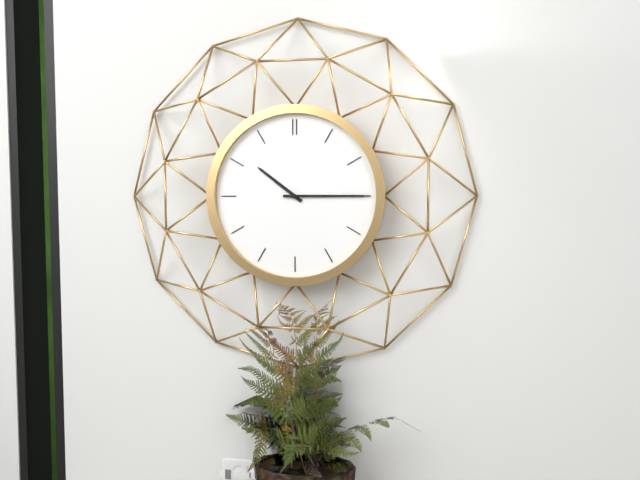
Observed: 10 h 15 min
